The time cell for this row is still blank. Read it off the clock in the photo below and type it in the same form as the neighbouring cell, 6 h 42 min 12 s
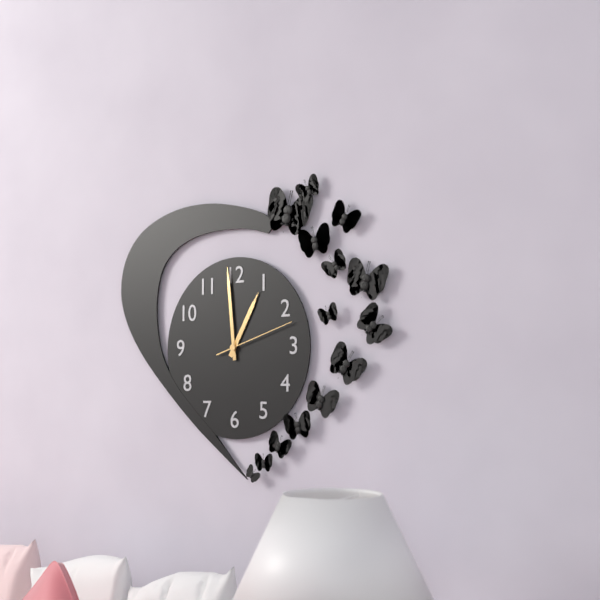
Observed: 12 h 59 min 12 s
